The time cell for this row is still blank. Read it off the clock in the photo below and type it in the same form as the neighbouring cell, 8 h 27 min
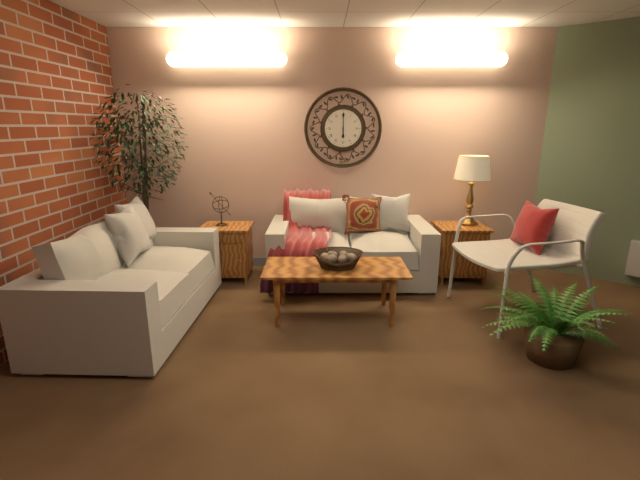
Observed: 6 h 00 min
